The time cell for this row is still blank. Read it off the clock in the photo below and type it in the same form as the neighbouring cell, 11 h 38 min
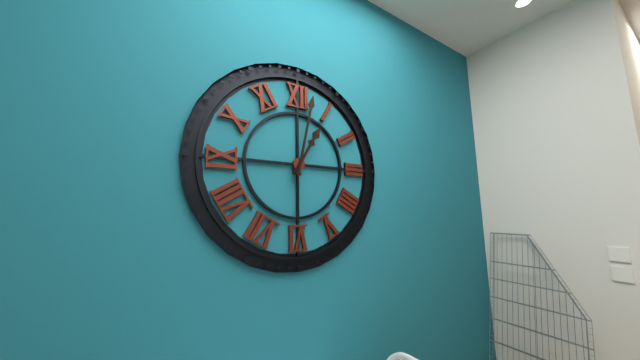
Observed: 1 h 02 min
